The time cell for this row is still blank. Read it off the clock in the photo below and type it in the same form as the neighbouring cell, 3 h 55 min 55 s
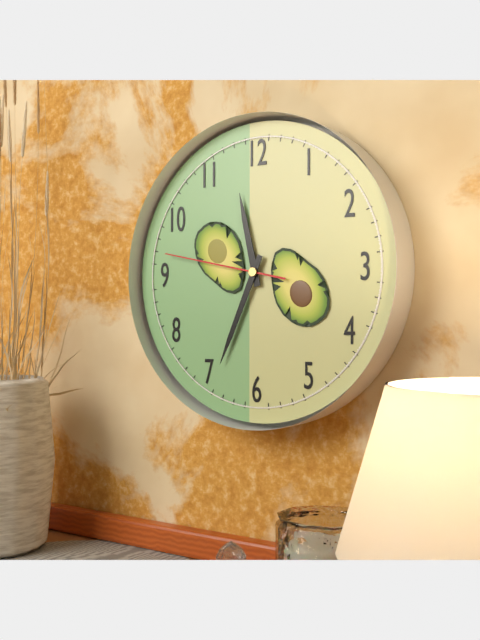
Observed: 11 h 34 min 47 s
